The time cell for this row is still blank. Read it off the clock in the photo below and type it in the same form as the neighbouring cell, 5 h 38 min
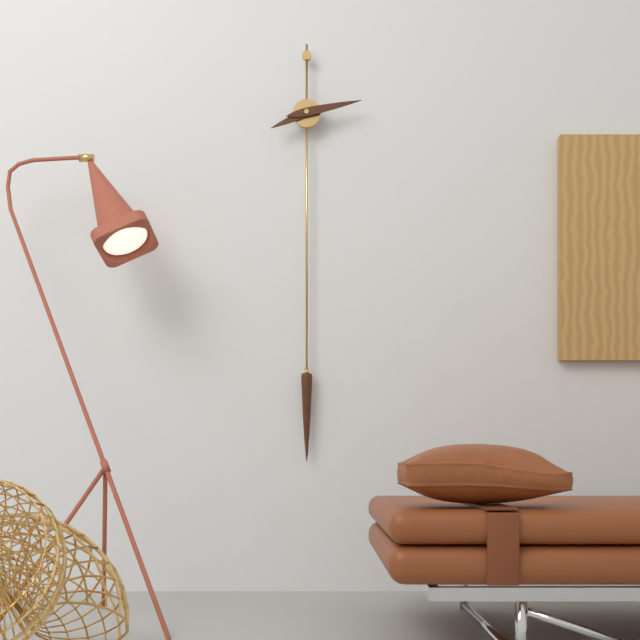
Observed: 8 h 13 min
